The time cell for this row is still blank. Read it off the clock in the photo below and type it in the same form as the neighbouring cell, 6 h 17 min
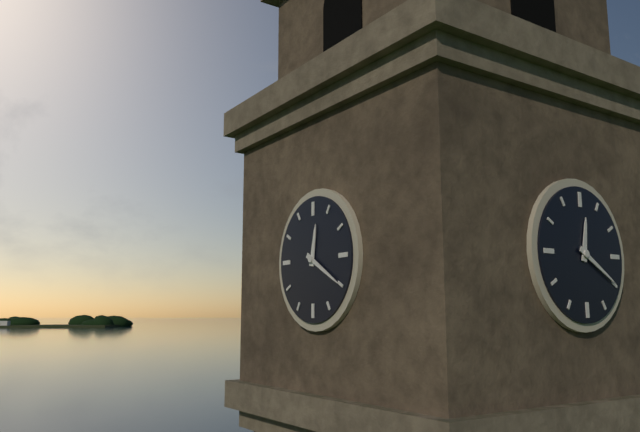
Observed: 12 h 20 min
